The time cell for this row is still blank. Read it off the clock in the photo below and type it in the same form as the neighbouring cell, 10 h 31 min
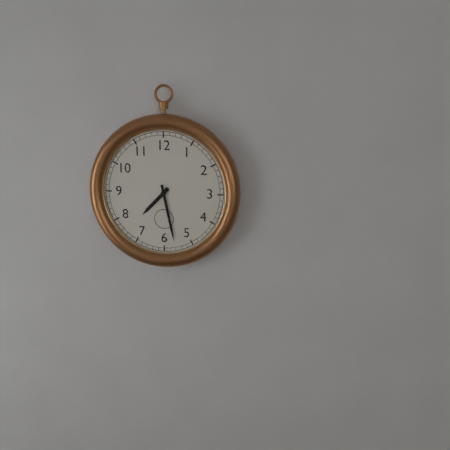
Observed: 7 h 28 min
